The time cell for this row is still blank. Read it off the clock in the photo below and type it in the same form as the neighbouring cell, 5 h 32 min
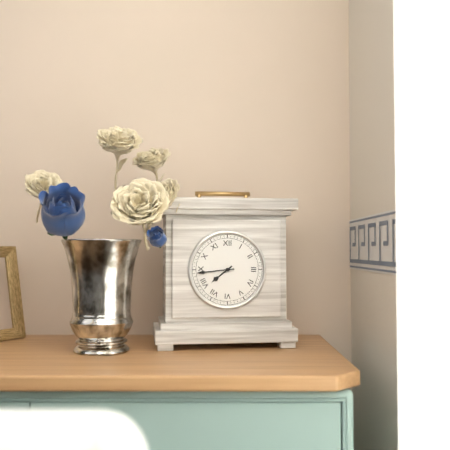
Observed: 7 h 44 min
